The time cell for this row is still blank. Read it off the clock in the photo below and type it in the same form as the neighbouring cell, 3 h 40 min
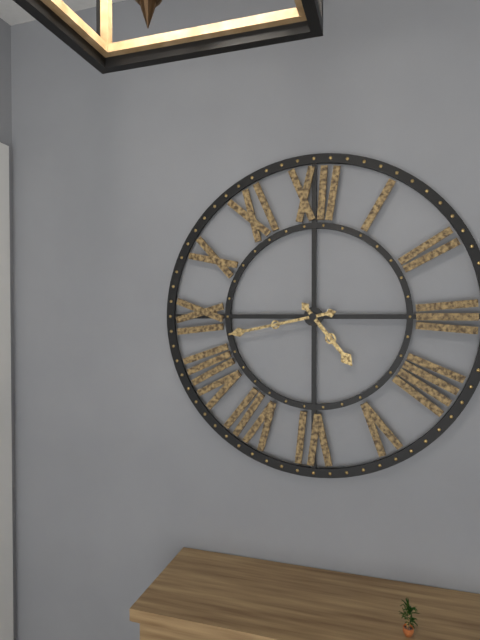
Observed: 4 h 43 min
